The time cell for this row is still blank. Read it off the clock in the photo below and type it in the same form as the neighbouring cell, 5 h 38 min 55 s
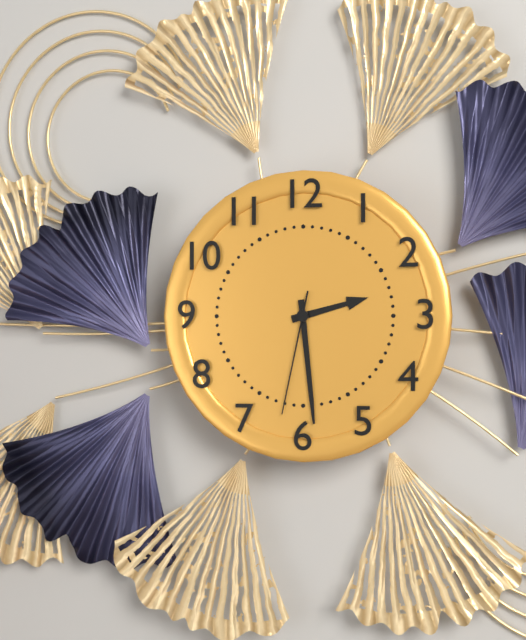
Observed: 2 h 29 min 32 s
